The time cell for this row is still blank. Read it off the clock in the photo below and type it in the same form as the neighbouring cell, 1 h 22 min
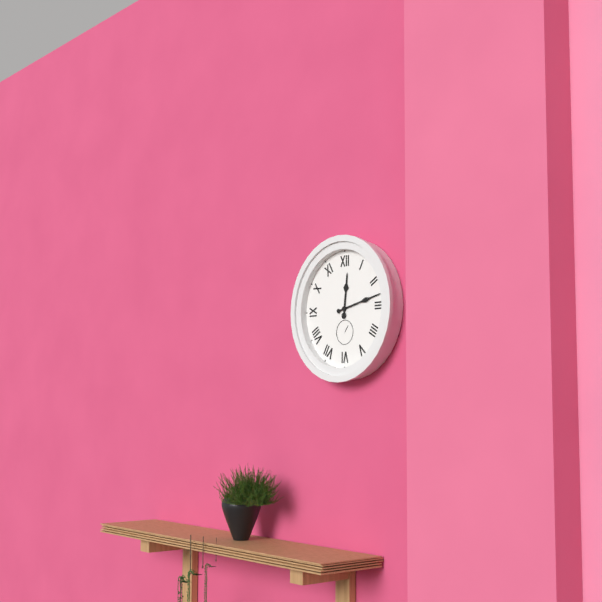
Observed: 12 h 13 min
